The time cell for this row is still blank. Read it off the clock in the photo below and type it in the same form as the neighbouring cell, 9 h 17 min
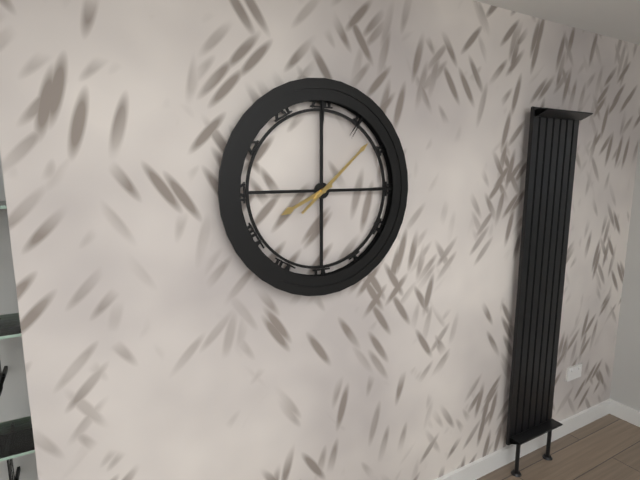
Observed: 8 h 08 min
